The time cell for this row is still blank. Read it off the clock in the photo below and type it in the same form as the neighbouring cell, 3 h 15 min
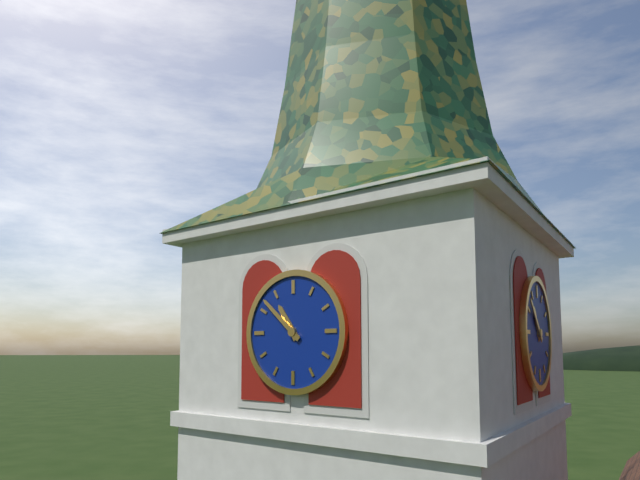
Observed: 10 h 52 min
